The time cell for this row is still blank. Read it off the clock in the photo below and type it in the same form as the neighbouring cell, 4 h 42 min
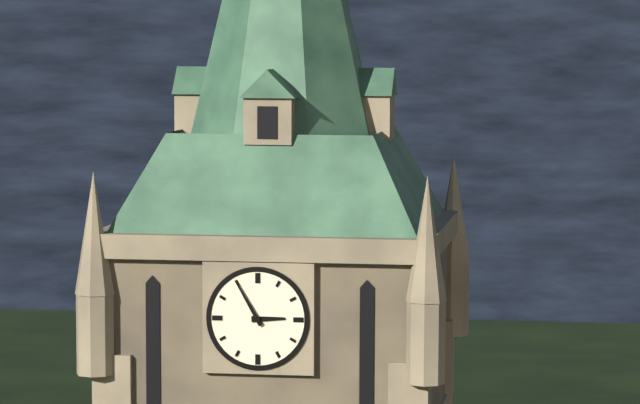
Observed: 2 h 55 min
